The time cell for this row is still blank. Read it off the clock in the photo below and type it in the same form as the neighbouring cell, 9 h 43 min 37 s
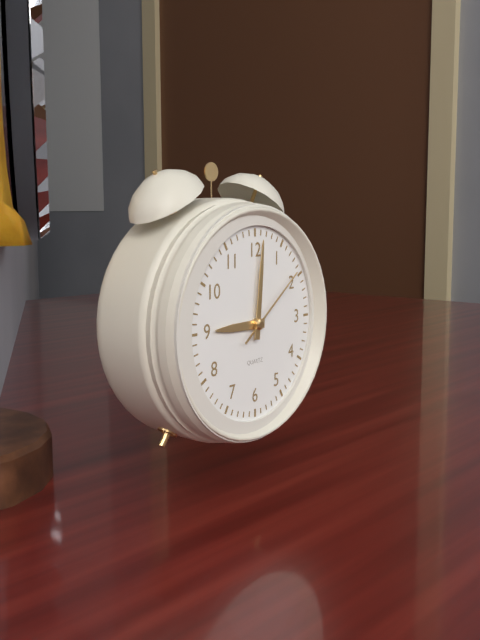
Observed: 9 h 01 min 09 s
